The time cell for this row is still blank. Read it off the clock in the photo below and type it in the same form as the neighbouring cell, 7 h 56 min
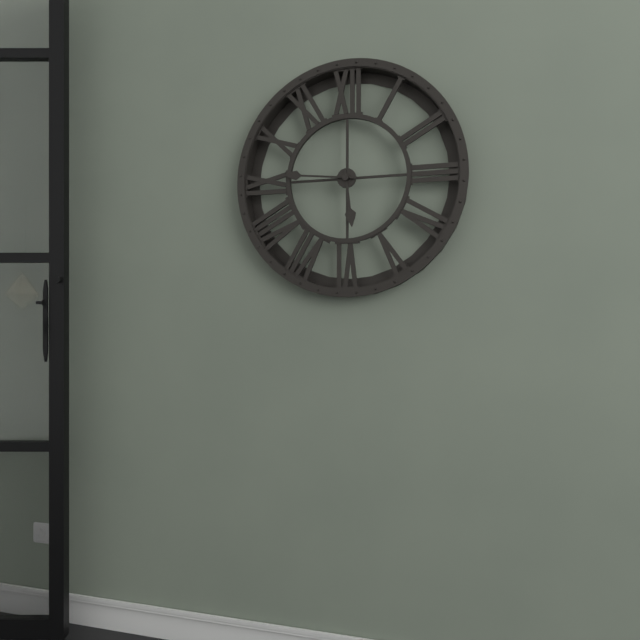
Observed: 5 h 46 min
